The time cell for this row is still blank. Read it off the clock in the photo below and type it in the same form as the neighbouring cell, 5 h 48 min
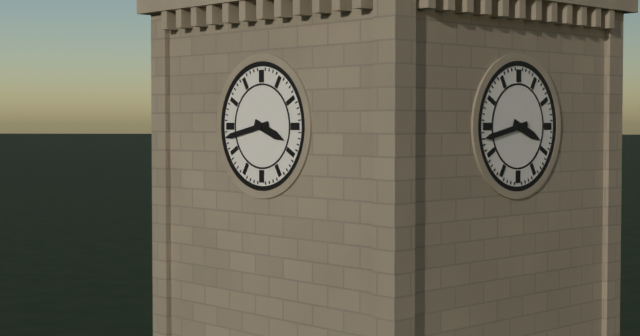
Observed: 3 h 43 min
